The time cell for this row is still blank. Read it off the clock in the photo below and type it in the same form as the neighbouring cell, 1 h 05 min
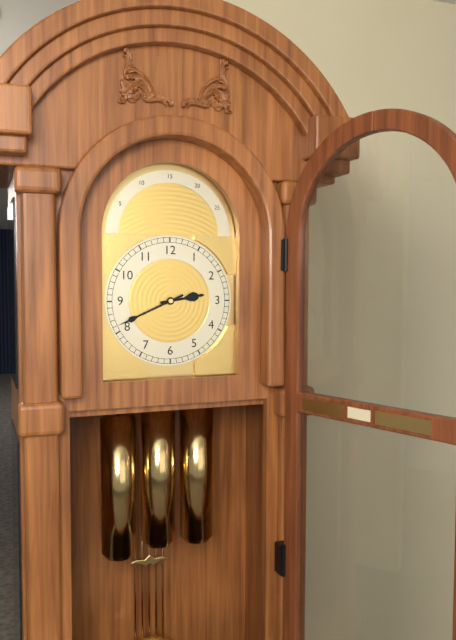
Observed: 2 h 41 min
